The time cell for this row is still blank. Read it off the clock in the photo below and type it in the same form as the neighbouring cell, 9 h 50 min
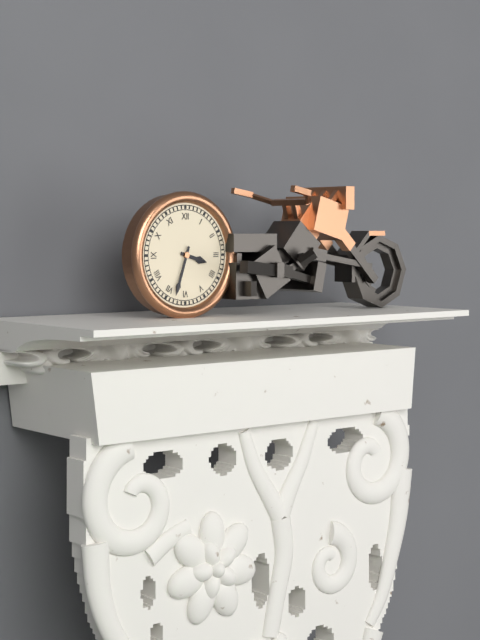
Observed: 3 h 33 min
